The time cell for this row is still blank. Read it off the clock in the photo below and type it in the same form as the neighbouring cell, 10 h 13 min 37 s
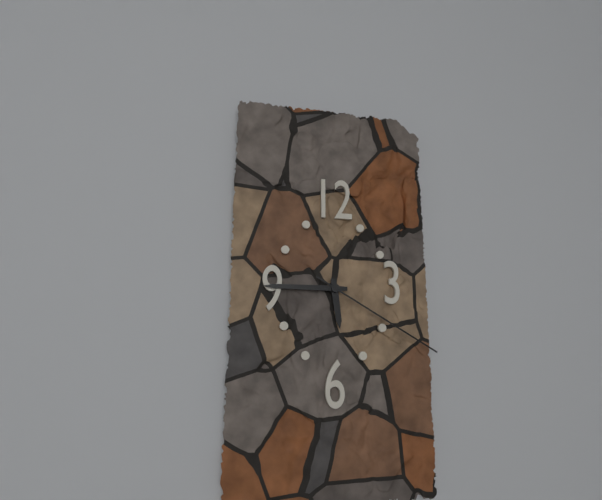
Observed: 5 h 45 min 20 s
